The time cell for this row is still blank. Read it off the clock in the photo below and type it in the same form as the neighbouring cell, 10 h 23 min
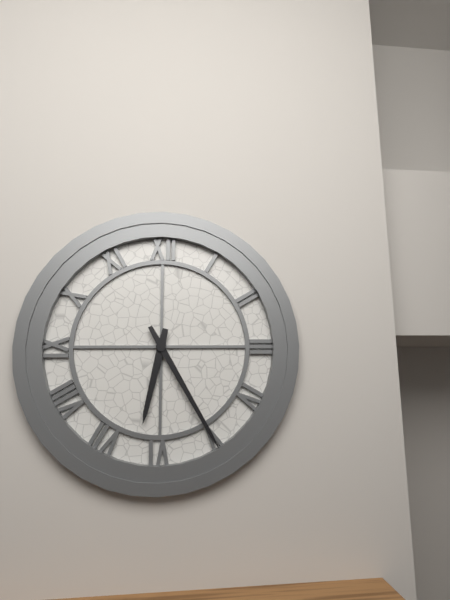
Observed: 6 h 25 min
